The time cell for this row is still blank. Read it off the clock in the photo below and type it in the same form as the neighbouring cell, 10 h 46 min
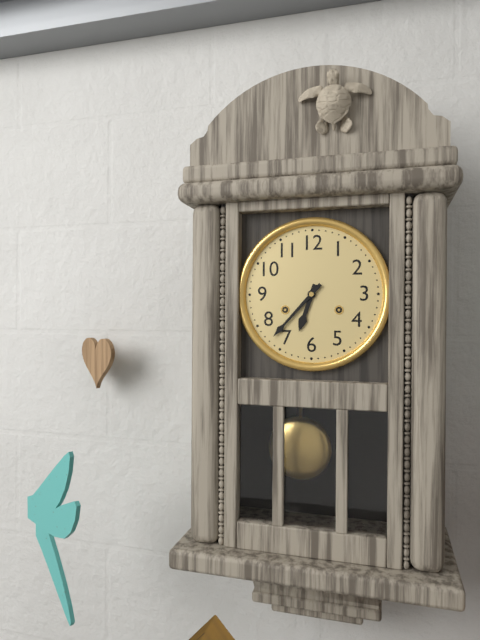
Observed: 6 h 37 min
